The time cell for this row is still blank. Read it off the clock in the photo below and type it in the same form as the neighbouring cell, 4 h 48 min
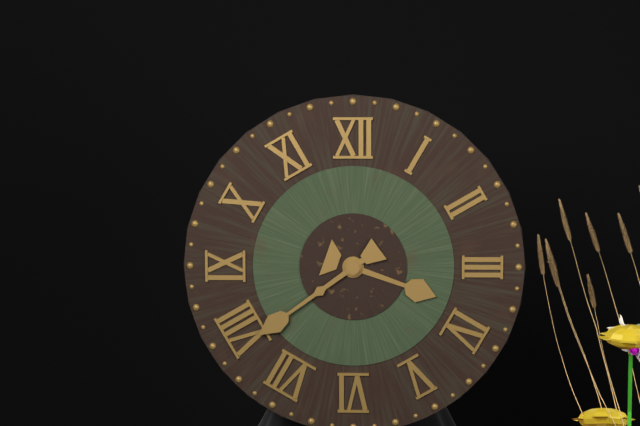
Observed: 3 h 39 min
